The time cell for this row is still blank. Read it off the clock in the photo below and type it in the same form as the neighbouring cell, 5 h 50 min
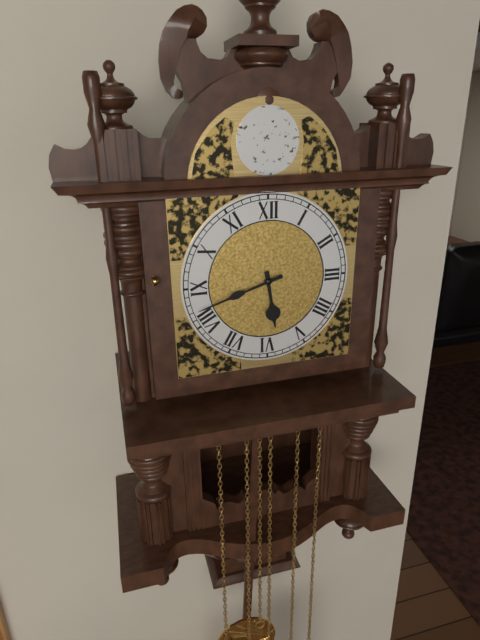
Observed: 5 h 42 min
